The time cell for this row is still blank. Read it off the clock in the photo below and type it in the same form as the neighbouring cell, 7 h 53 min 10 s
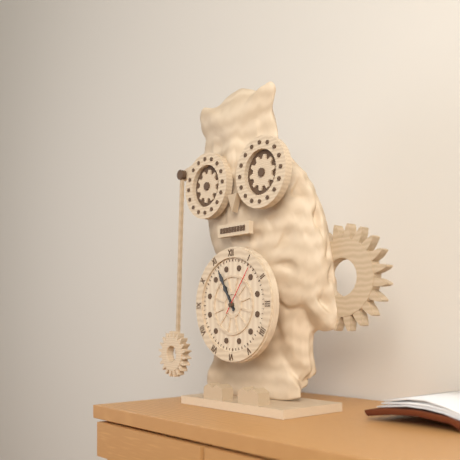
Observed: 10 h 55 min 06 s
